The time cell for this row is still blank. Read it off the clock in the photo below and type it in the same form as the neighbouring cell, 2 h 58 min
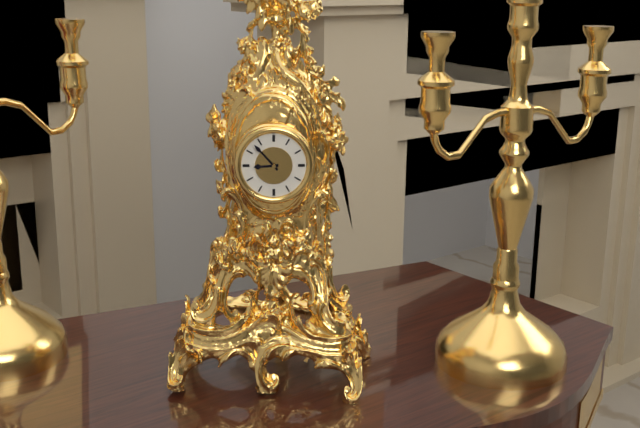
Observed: 8 h 53 min
